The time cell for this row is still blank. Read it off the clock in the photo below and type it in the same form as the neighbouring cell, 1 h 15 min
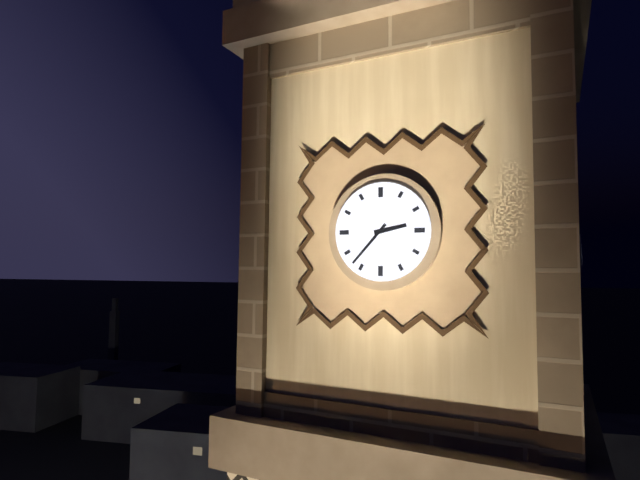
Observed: 2 h 37 min
